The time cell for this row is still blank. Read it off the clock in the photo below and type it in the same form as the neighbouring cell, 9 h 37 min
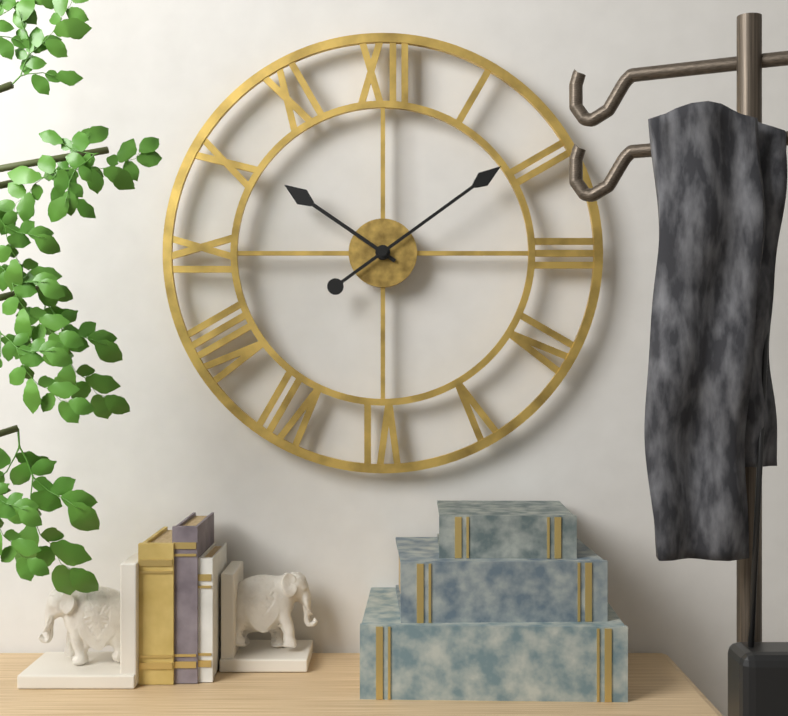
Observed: 10 h 09 min
